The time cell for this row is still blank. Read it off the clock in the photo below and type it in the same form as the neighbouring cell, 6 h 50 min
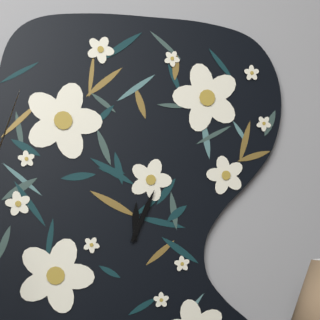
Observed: 12 h 04 min
